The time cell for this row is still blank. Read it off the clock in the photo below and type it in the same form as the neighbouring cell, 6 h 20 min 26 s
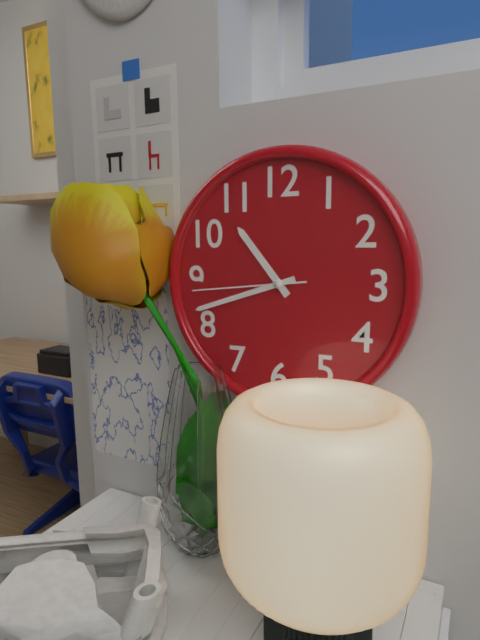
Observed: 10 h 42 min 44 s
